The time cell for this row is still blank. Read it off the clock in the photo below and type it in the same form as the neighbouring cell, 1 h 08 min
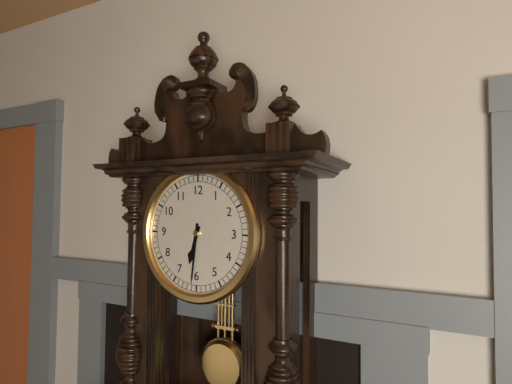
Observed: 6 h 31 min
